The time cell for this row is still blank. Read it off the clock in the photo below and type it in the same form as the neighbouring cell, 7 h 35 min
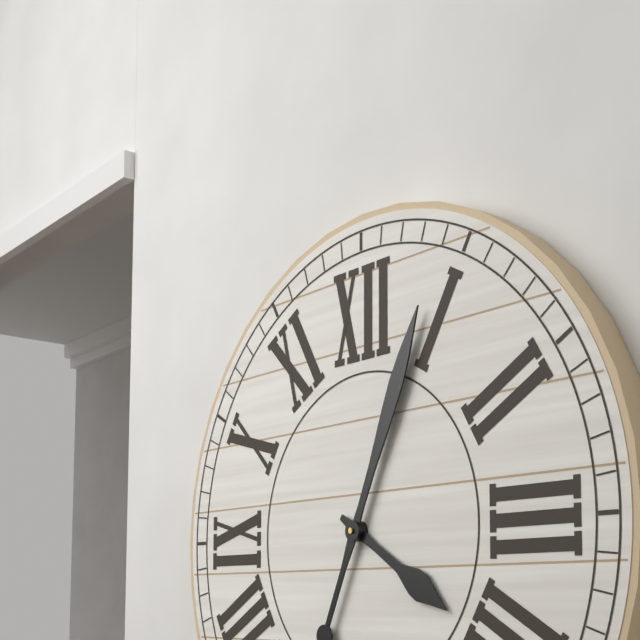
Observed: 4 h 04 min
